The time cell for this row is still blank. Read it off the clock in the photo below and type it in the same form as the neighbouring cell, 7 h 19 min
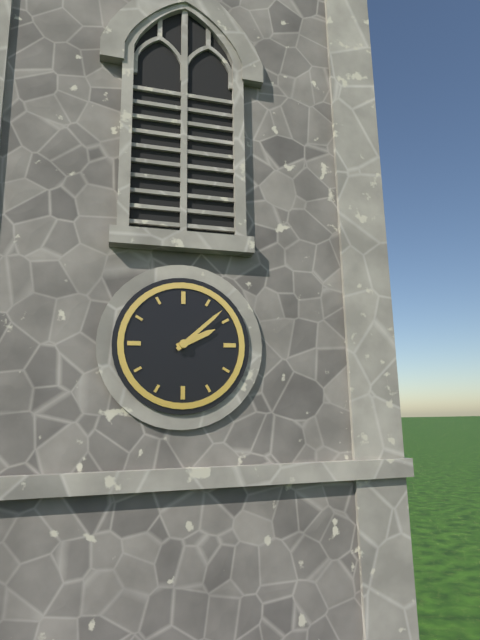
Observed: 2 h 08 min
